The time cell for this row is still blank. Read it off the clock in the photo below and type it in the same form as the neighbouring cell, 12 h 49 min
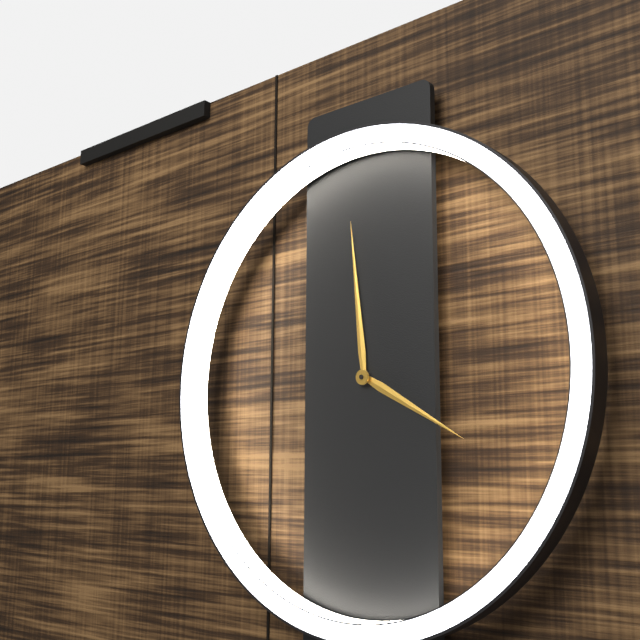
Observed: 3 h 59 min
